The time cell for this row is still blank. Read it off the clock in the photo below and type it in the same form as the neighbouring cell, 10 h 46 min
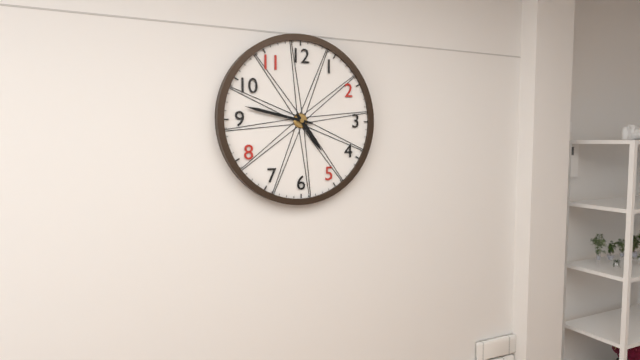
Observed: 4 h 47 min
